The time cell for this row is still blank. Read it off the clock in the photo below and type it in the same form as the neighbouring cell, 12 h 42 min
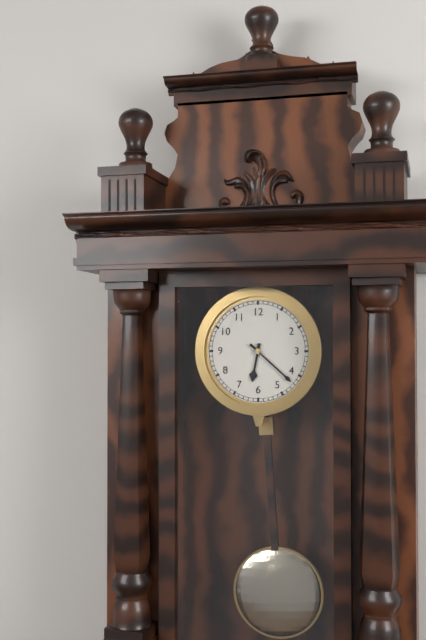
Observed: 6 h 22 min
